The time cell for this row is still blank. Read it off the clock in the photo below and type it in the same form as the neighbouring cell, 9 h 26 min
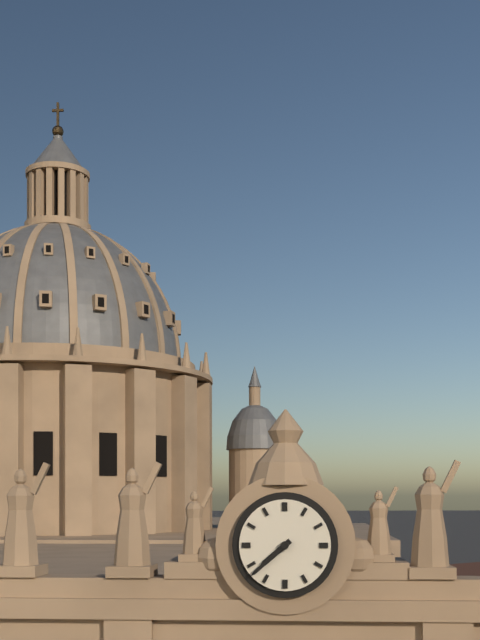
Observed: 7 h 38 min
